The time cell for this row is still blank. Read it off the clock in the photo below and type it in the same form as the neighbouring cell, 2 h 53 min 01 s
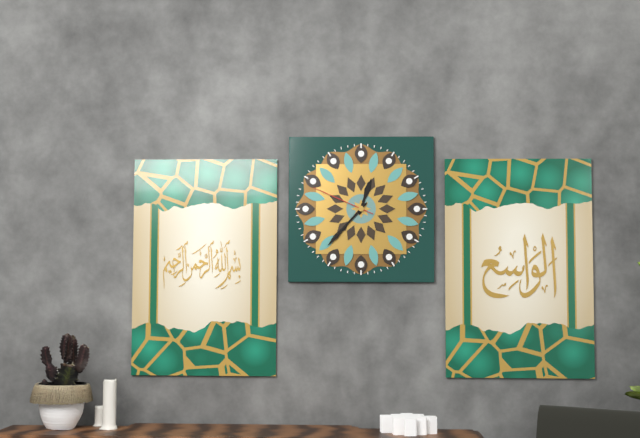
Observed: 12 h 37 min 49 s
